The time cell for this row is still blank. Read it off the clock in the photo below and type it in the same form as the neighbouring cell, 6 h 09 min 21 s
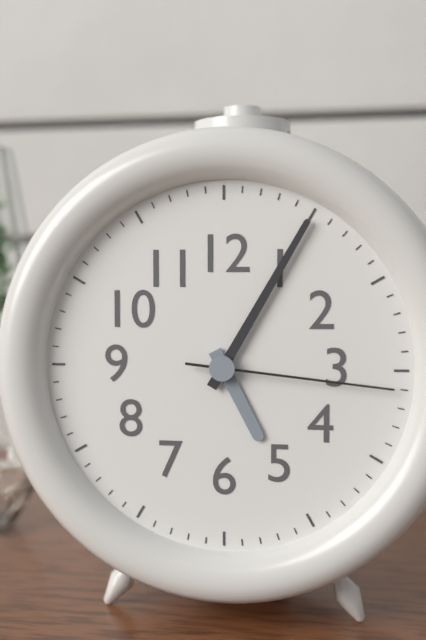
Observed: 5 h 05 min 16 s
